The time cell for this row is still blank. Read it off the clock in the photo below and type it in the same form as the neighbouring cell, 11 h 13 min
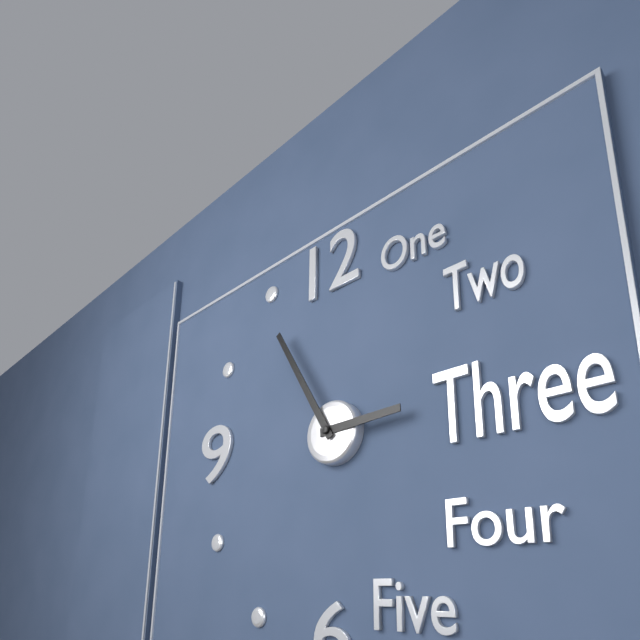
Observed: 2 h 55 min
